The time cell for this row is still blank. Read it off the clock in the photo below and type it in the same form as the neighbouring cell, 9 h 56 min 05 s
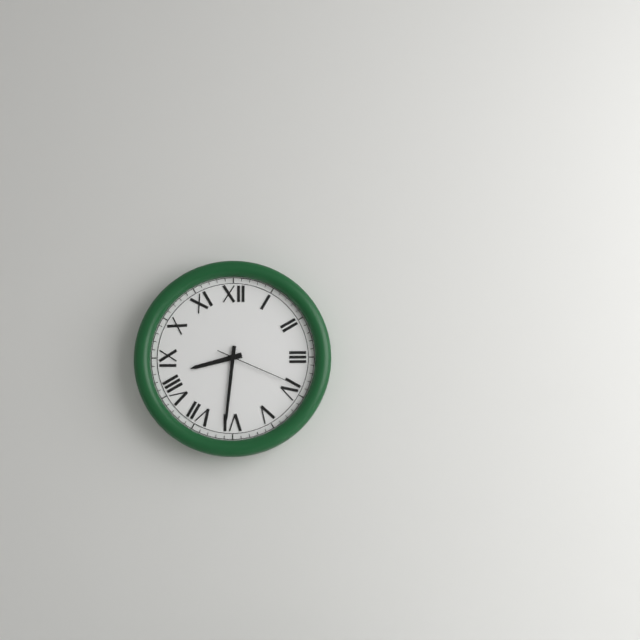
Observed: 8 h 31 min 19 s
